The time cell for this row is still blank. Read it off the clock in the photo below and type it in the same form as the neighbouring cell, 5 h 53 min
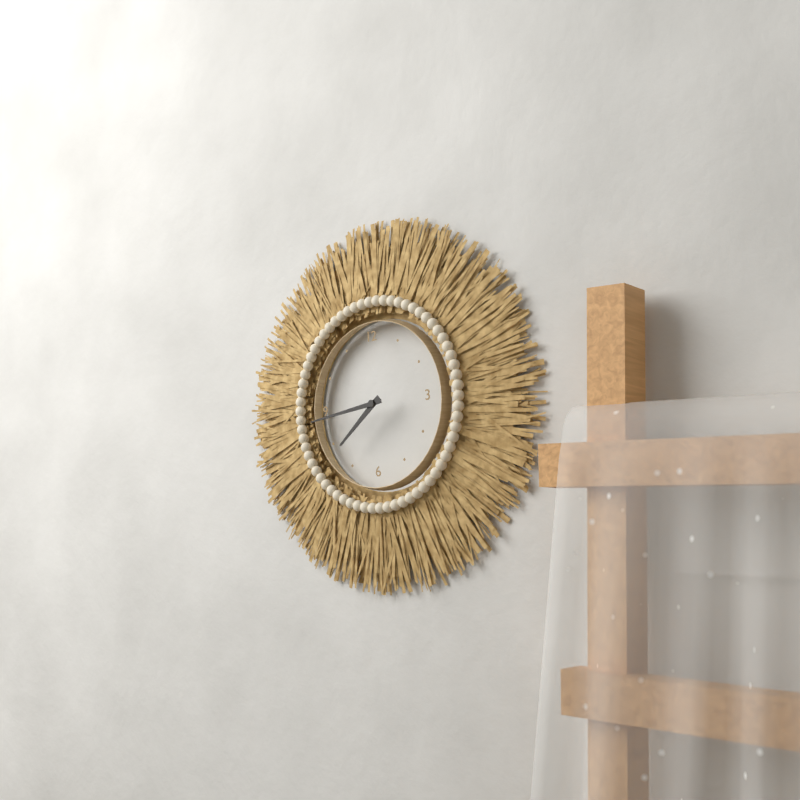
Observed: 7 h 44 min
